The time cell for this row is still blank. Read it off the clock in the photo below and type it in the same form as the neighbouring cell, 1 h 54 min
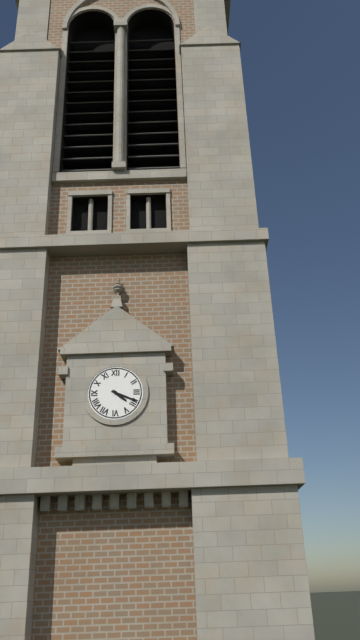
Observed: 4 h 19 min
